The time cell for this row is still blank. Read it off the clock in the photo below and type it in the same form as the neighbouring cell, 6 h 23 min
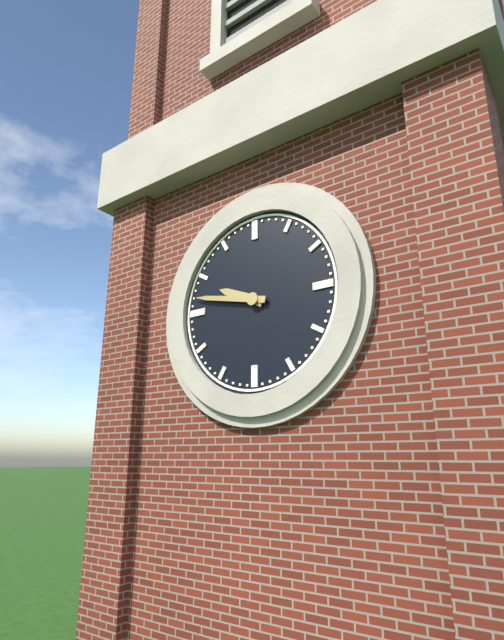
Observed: 9 h 47 min
